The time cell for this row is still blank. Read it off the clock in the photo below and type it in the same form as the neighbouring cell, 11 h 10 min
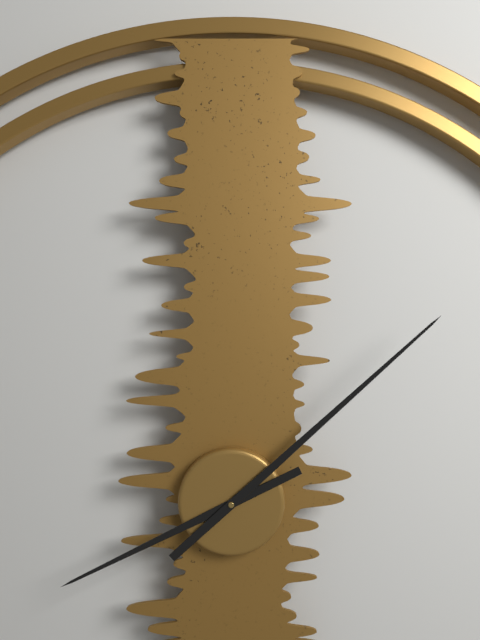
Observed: 8 h 08 min
